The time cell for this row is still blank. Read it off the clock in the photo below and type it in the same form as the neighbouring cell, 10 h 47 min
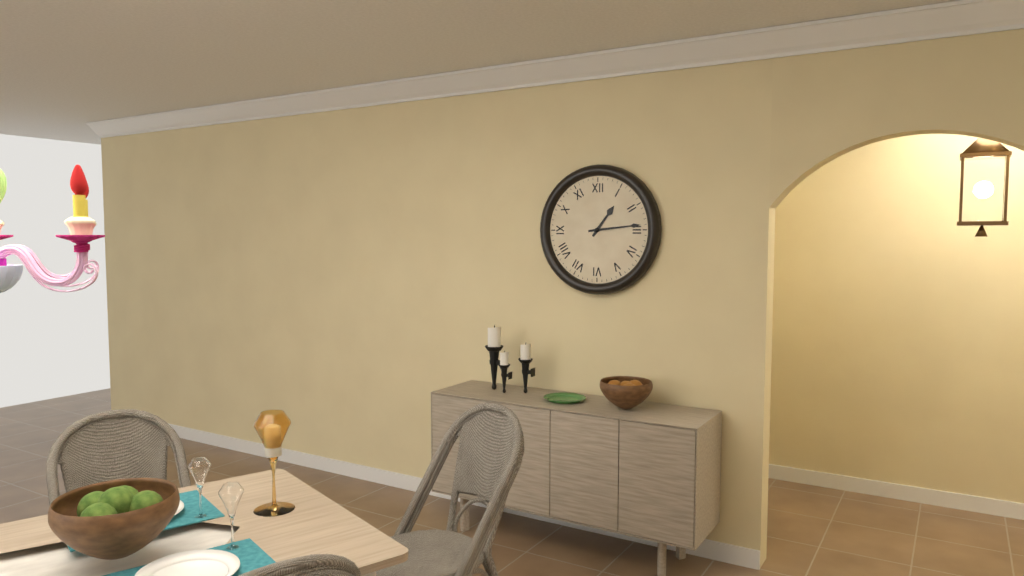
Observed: 1 h 14 min
